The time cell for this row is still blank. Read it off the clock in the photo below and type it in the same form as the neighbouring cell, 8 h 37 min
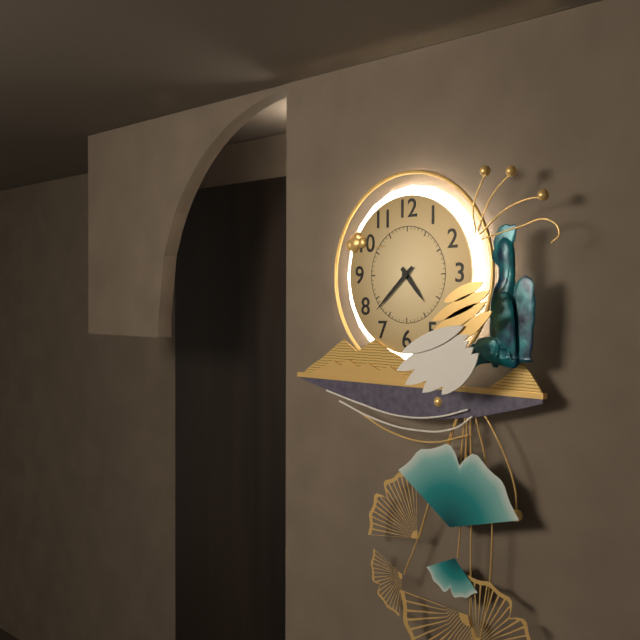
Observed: 4 h 38 min
